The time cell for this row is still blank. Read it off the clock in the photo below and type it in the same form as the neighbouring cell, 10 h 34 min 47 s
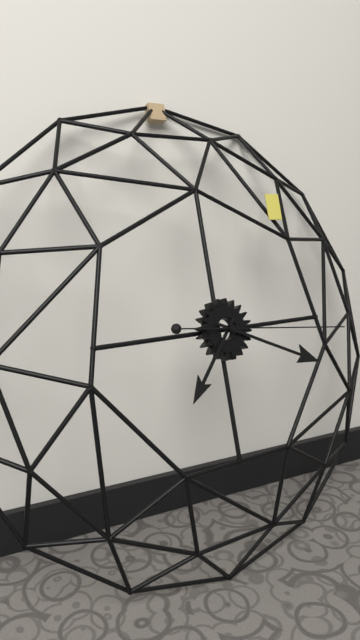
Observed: 7 h 19 min 16 s
